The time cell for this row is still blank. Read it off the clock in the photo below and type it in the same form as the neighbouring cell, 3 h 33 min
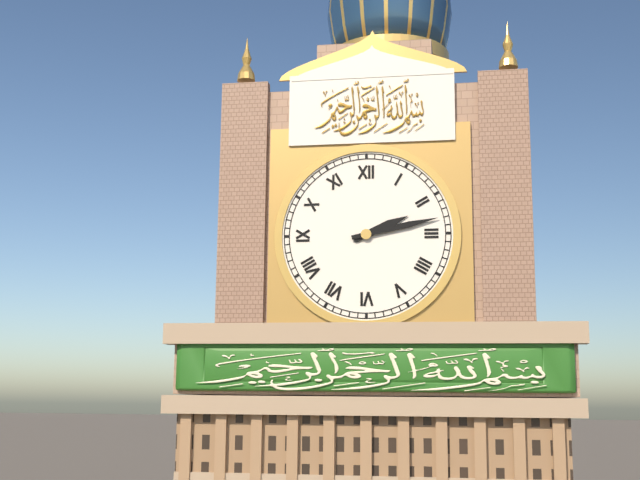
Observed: 2 h 13 min
